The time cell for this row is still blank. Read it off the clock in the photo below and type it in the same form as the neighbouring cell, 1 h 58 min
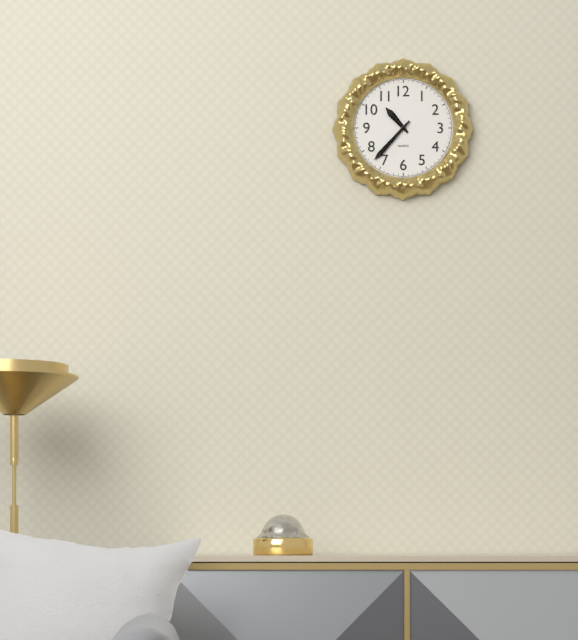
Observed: 10 h 37 min
